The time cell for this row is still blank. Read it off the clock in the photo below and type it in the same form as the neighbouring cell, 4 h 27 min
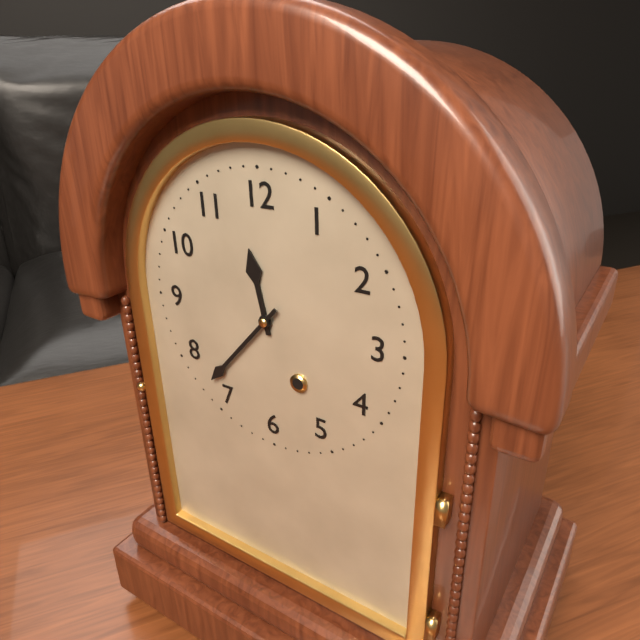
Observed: 11 h 37 min
